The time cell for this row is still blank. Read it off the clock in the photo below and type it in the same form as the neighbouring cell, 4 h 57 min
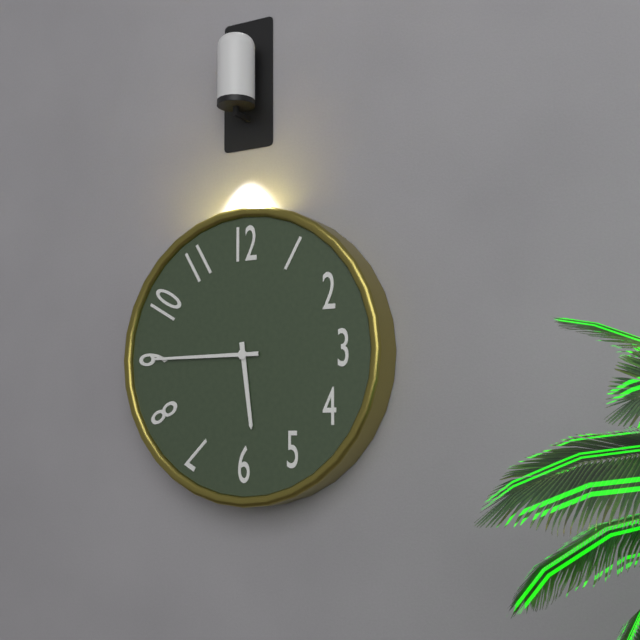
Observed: 5 h 45 min
